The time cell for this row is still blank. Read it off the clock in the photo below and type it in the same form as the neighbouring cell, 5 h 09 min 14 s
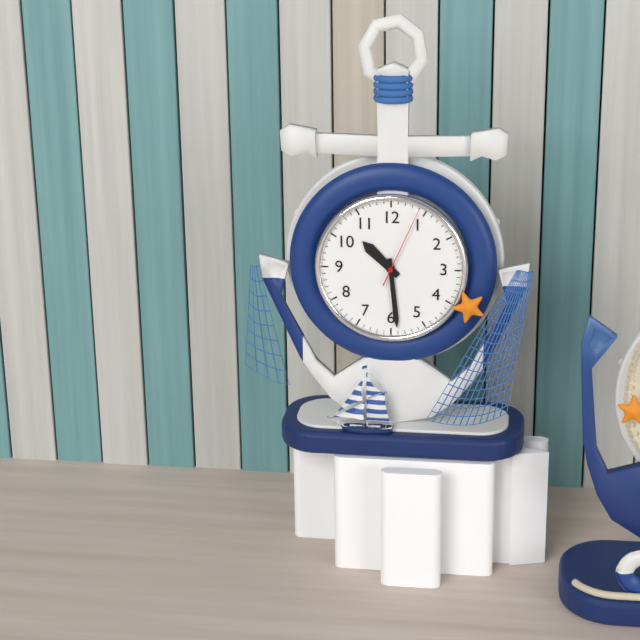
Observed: 10 h 29 min 04 s
